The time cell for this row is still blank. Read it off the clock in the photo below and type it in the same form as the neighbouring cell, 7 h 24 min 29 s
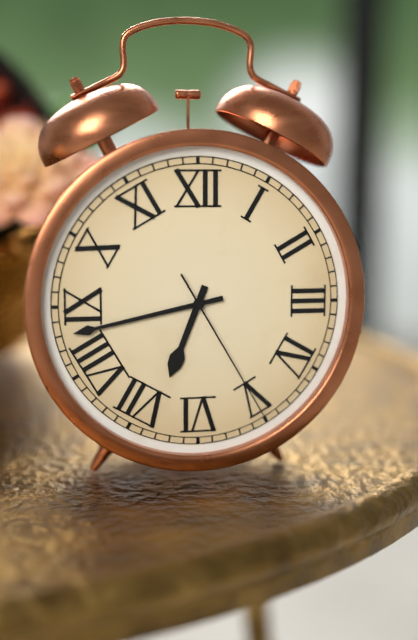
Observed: 6 h 43 min 25 s
